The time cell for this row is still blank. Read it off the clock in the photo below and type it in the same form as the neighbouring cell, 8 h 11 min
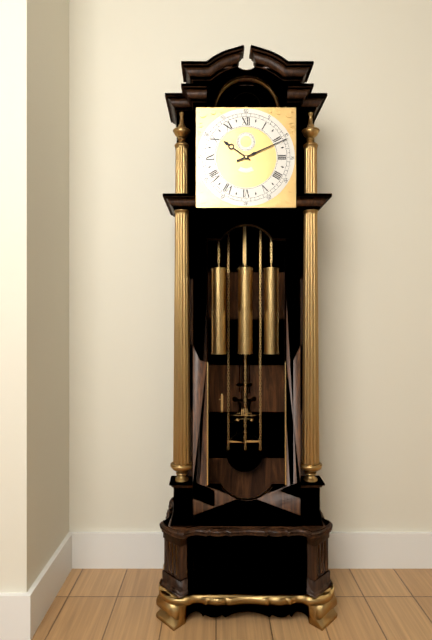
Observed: 10 h 11 min
